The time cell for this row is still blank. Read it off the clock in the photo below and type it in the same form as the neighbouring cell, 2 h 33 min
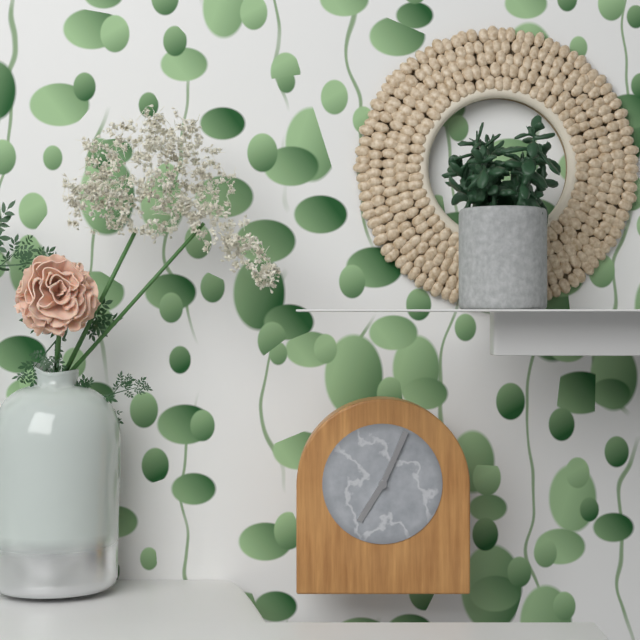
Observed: 7 h 04 min
